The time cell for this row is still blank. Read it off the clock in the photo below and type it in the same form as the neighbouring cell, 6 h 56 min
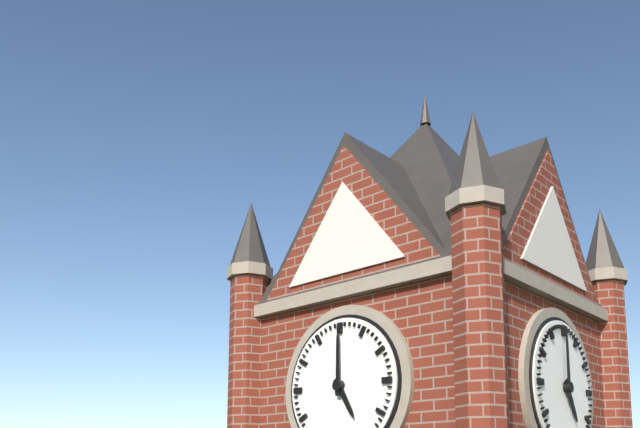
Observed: 5 h 00 min
